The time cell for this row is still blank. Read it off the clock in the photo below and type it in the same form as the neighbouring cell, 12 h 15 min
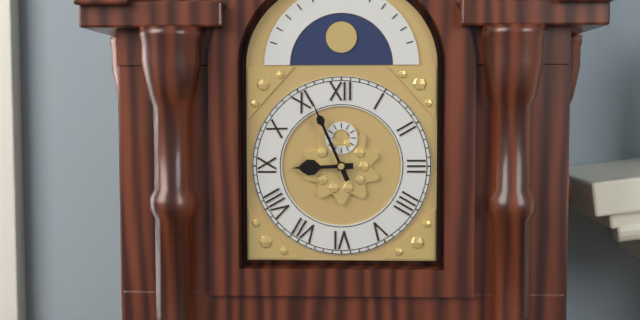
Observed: 8 h 56 min
